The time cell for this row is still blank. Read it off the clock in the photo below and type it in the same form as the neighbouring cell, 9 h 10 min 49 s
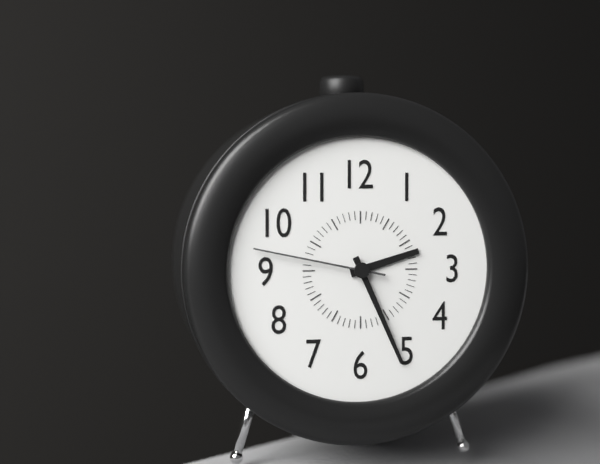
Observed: 2 h 26 min 47 s
